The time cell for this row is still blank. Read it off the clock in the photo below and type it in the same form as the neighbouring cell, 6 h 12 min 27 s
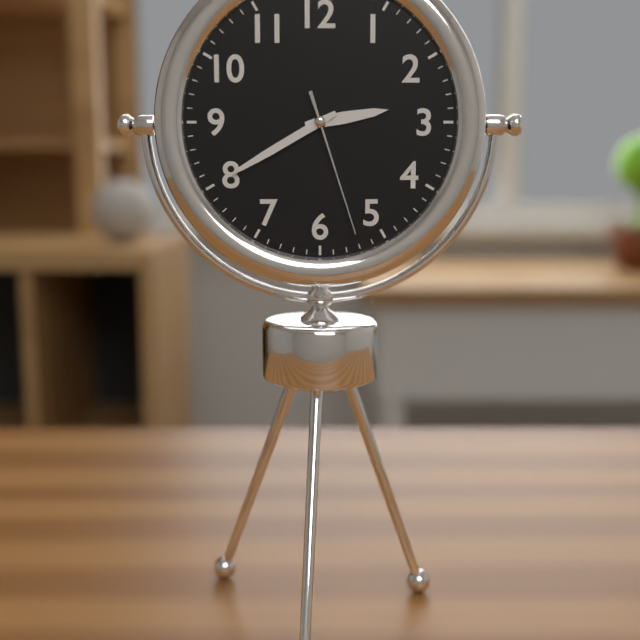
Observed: 2 h 40 min 27 s
